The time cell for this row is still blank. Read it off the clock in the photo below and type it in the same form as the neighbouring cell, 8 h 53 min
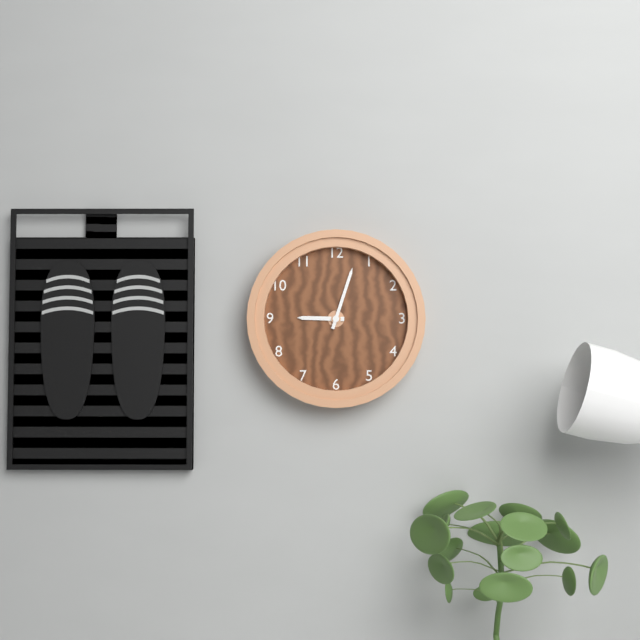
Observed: 9 h 03 min
